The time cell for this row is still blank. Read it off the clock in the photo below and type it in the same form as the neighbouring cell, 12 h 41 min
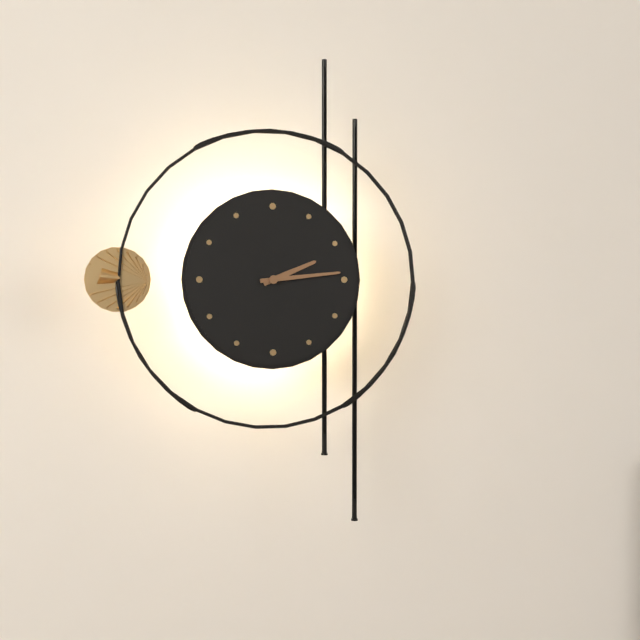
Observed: 2 h 14 min
